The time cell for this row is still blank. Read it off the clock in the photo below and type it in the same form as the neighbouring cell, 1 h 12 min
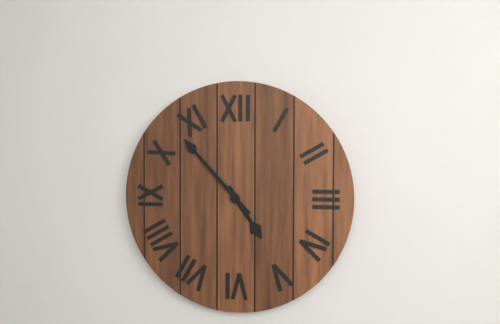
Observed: 4 h 53 min
